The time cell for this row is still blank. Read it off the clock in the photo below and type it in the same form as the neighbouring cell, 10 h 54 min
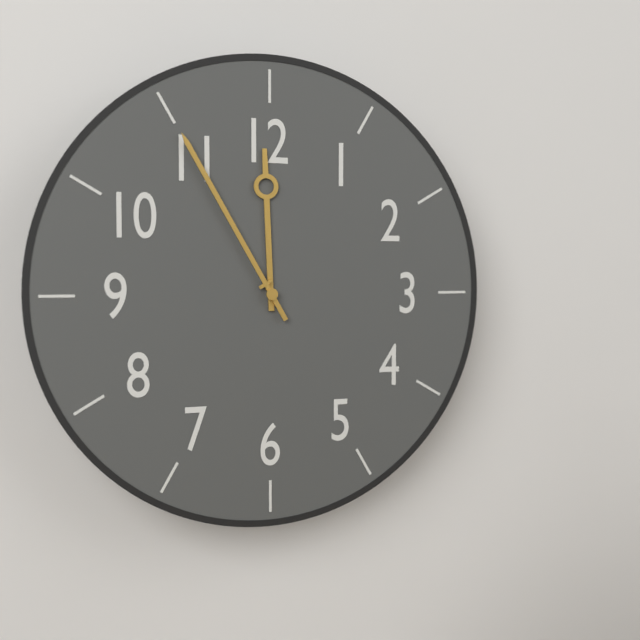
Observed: 11 h 55 min
